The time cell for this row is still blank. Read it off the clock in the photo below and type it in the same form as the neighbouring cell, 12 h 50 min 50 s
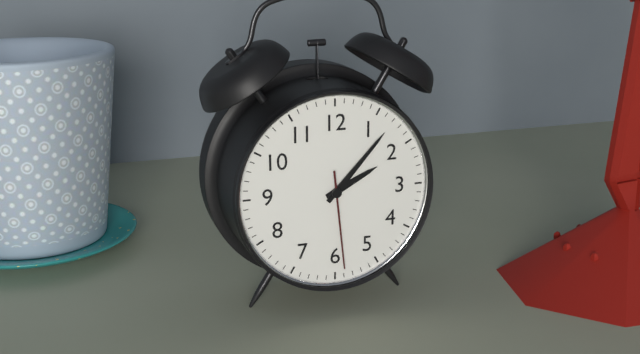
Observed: 2 h 07 min 29 s
